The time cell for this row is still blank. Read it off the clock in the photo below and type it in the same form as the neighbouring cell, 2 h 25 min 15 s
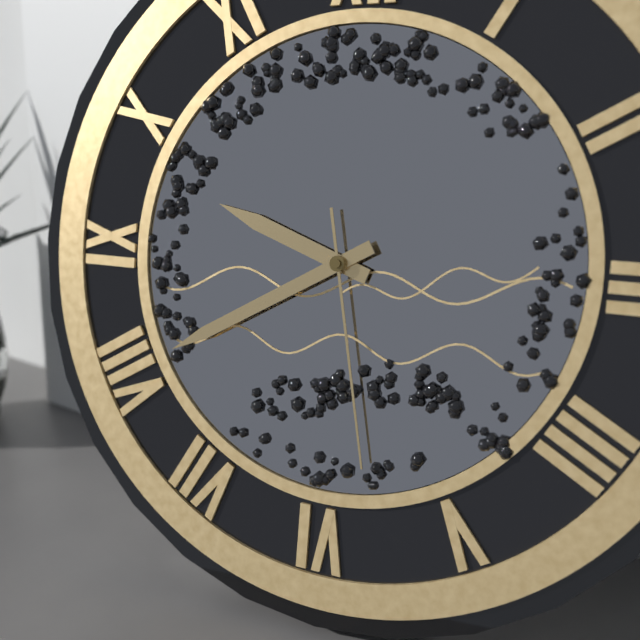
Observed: 9 h 40 min 28 s
